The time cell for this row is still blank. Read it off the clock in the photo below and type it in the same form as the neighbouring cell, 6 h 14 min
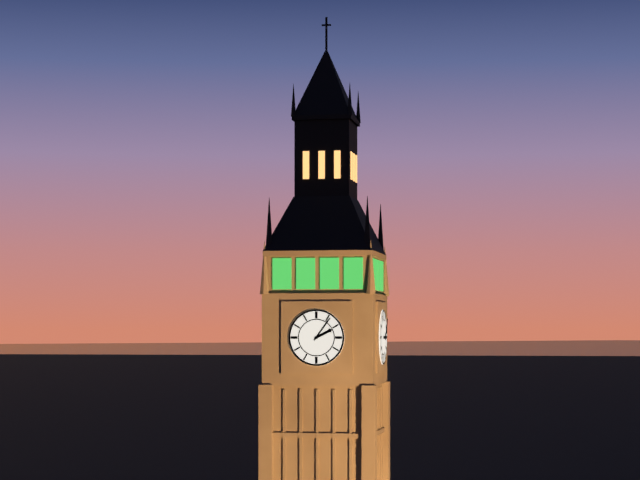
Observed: 2 h 06 min
